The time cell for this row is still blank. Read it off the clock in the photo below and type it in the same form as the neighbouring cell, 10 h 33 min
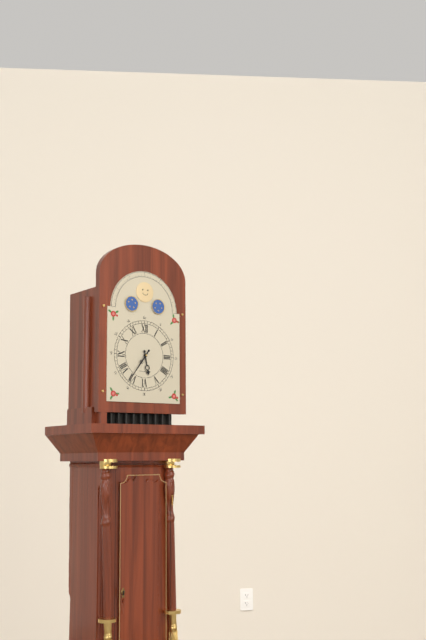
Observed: 5 h 36 min
